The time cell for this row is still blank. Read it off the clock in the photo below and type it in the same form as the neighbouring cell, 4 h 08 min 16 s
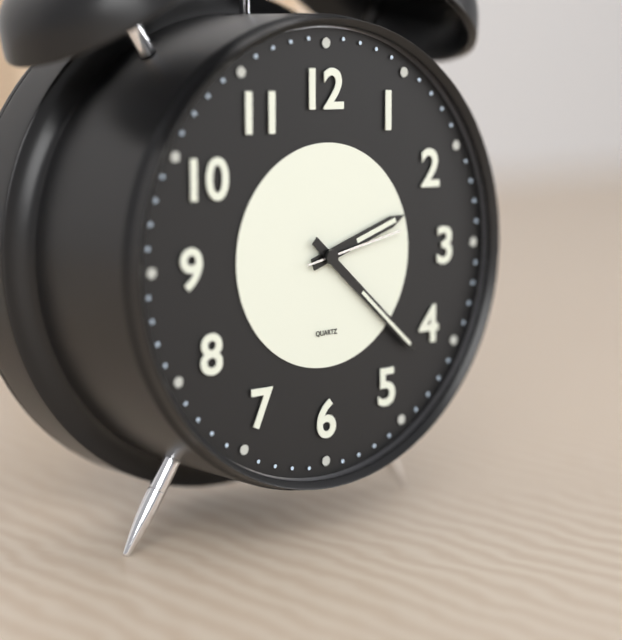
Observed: 2 h 22 min 13 s
